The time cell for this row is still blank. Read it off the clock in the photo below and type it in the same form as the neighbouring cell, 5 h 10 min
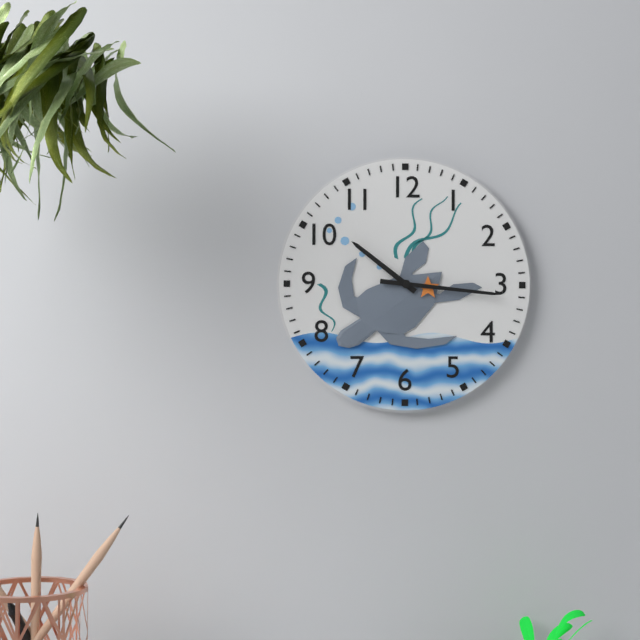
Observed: 10 h 16 min
